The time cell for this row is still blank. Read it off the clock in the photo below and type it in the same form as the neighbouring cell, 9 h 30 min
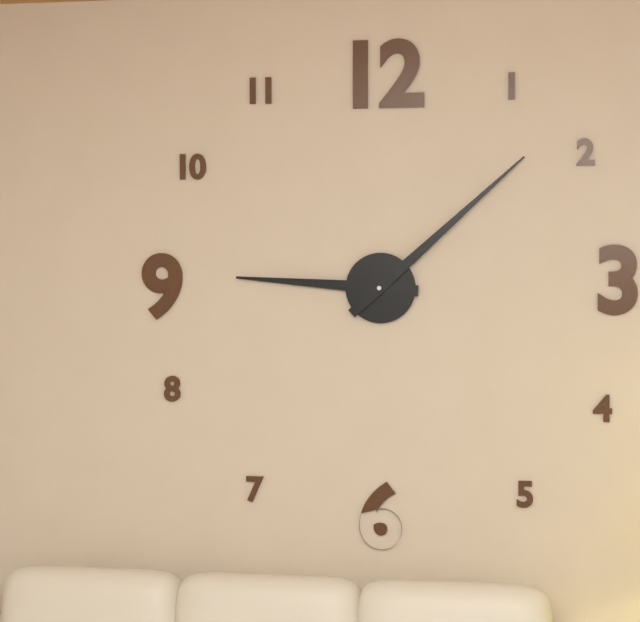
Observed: 9 h 08 min
